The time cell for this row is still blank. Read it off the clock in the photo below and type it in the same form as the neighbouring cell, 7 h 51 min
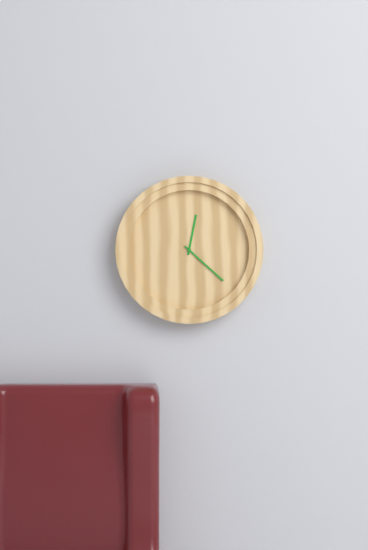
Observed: 12 h 22 min
